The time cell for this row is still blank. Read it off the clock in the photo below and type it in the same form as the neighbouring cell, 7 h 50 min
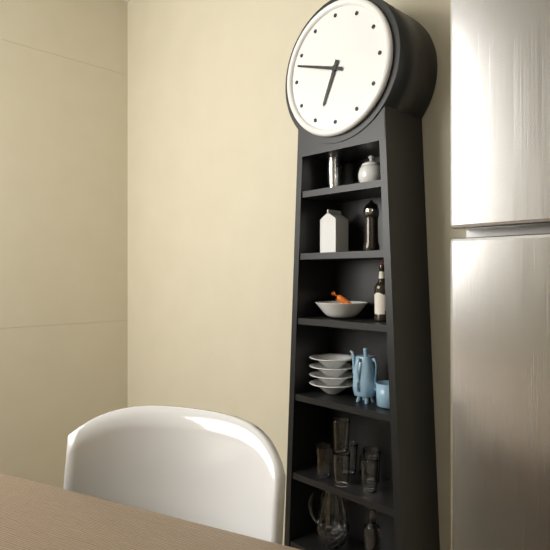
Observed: 6 h 48 min
